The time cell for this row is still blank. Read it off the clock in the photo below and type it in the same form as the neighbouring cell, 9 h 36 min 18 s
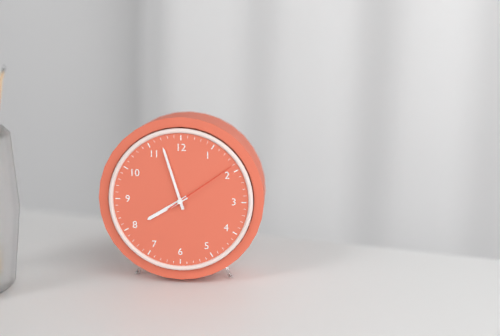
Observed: 7 h 57 min 09 s
